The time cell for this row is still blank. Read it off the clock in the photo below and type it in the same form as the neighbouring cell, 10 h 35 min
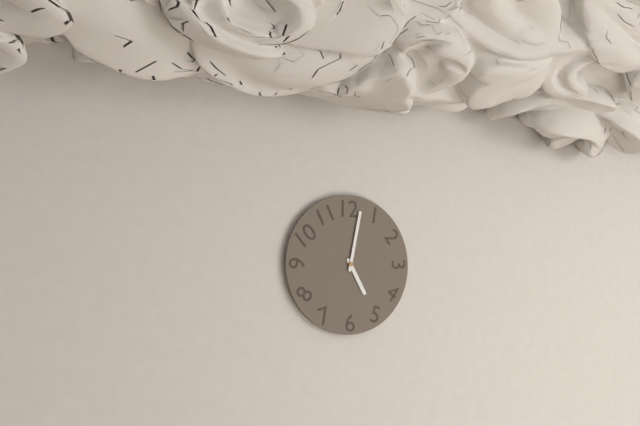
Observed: 5 h 02 min
